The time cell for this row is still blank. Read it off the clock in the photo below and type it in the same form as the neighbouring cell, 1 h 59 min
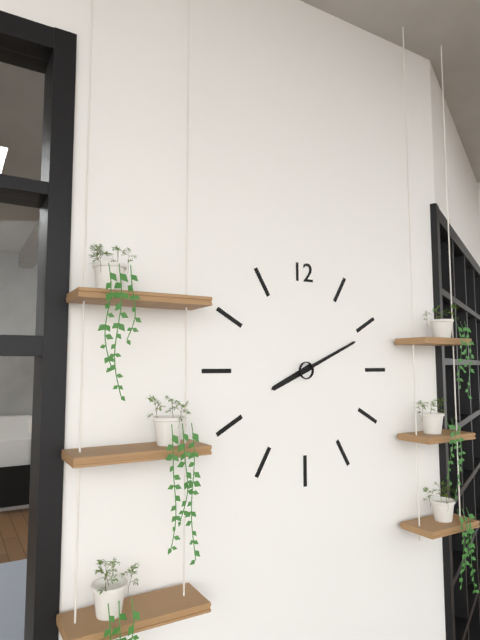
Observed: 8 h 11 min
